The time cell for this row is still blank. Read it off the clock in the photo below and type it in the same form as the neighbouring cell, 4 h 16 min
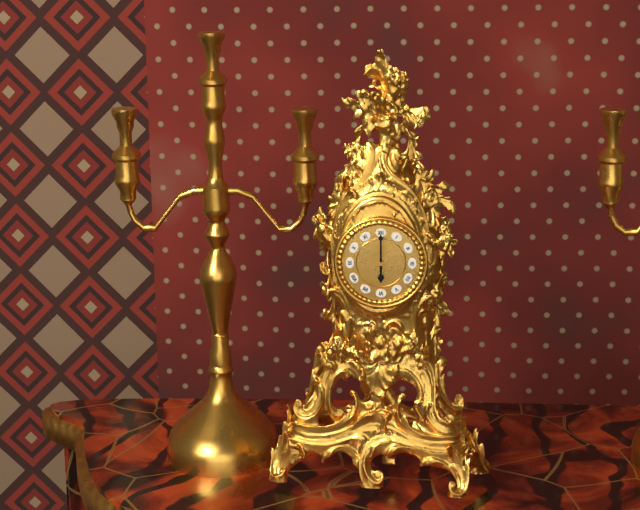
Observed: 6 h 00 min
